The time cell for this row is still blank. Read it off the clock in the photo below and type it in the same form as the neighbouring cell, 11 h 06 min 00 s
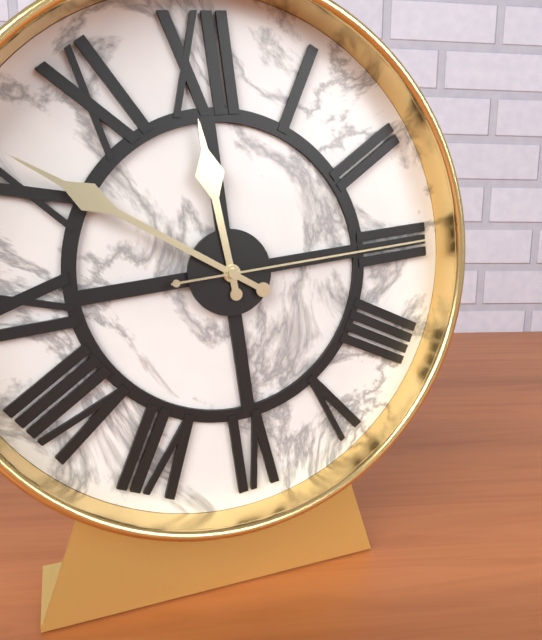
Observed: 11 h 51 min 15 s
